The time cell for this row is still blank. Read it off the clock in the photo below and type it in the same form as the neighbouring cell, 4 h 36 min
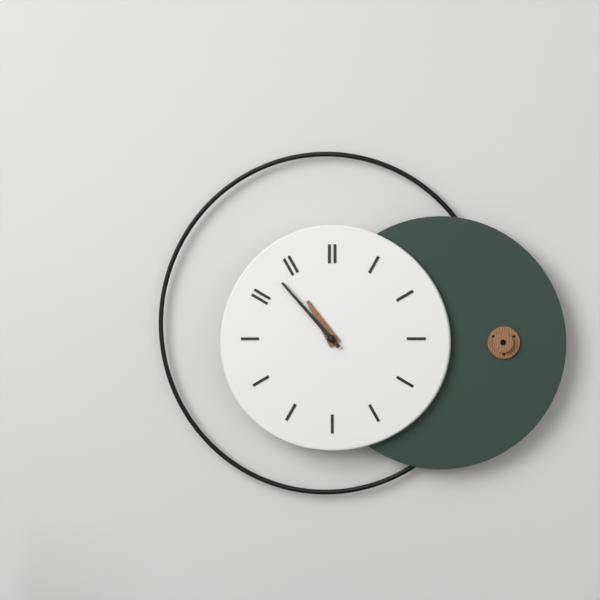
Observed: 10 h 53 min
